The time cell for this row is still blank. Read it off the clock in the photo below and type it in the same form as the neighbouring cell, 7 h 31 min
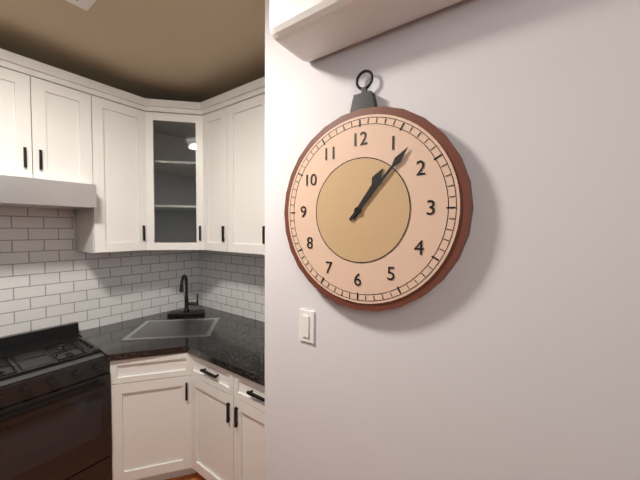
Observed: 1 h 07 min
